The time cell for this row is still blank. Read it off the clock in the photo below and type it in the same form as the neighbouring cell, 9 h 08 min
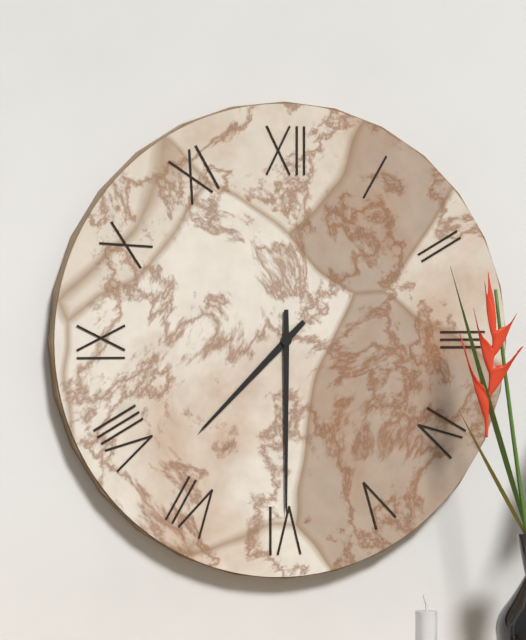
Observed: 7 h 30 min
